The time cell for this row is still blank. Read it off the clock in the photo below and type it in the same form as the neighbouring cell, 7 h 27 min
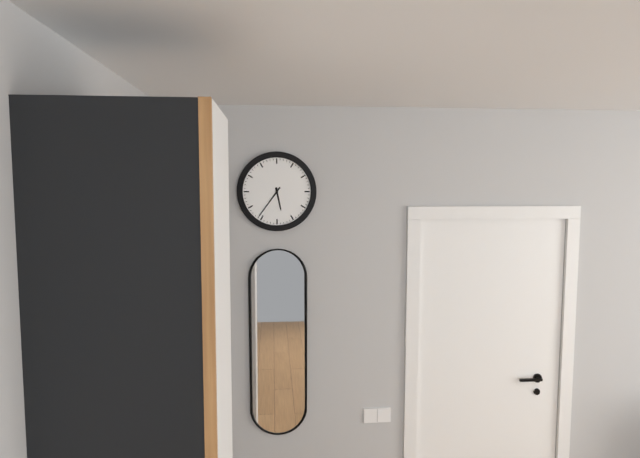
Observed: 5 h 36 min
